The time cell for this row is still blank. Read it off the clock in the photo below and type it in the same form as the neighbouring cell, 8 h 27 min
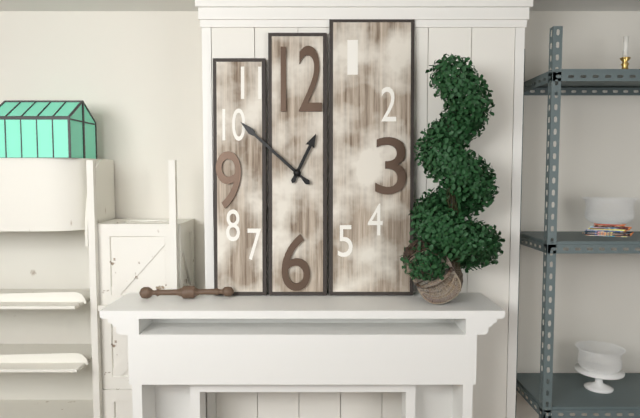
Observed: 12 h 52 min
